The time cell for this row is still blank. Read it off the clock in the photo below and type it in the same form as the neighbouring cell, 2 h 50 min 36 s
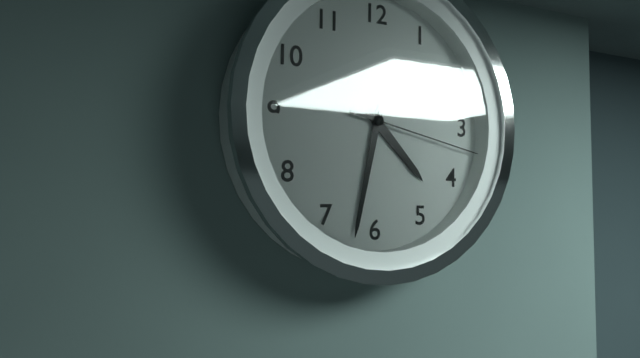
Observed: 4 h 32 min 17 s
